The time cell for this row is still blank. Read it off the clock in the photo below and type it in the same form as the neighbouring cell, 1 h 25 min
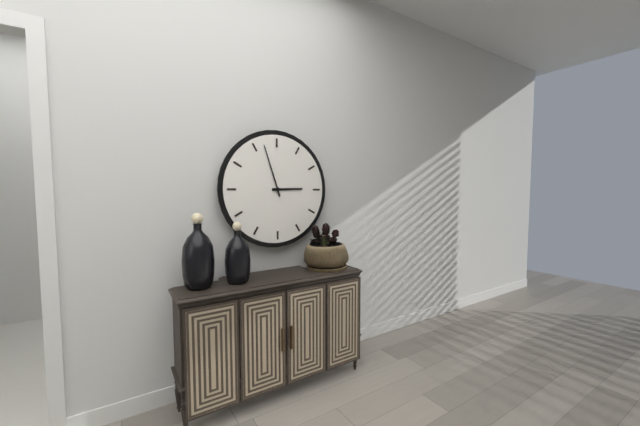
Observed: 2 h 57 min
